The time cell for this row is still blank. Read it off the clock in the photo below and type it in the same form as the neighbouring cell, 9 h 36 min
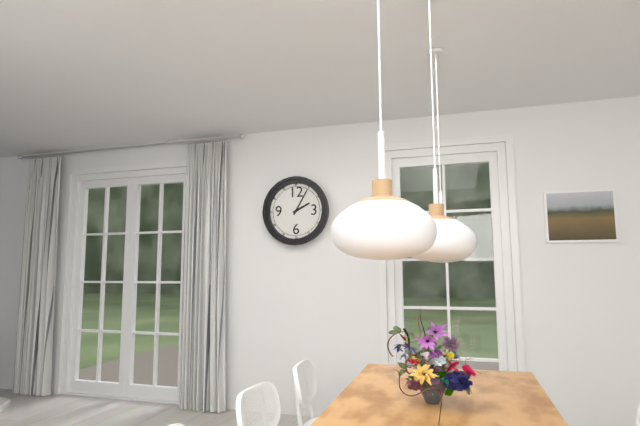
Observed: 2 h 05 min
